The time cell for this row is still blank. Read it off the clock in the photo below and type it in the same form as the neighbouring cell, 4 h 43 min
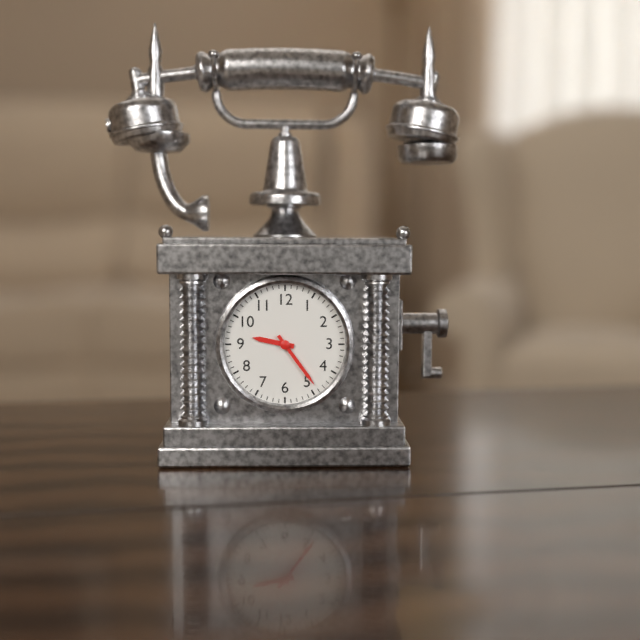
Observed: 9 h 24 min
